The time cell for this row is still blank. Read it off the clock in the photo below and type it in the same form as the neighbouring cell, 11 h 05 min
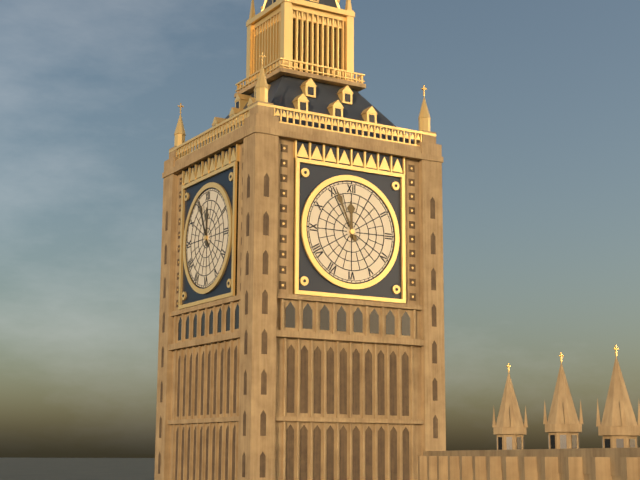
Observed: 11 h 56 min
